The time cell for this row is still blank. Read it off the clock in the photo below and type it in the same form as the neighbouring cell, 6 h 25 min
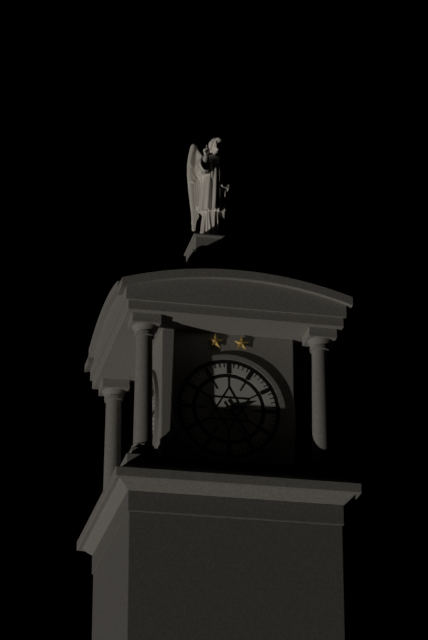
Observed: 2 h 24 min
